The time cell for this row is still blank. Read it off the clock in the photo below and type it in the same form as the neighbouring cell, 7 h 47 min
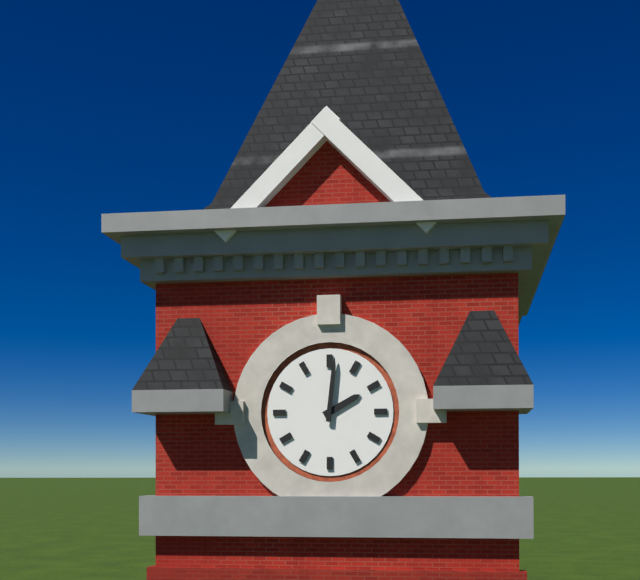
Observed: 2 h 01 min
